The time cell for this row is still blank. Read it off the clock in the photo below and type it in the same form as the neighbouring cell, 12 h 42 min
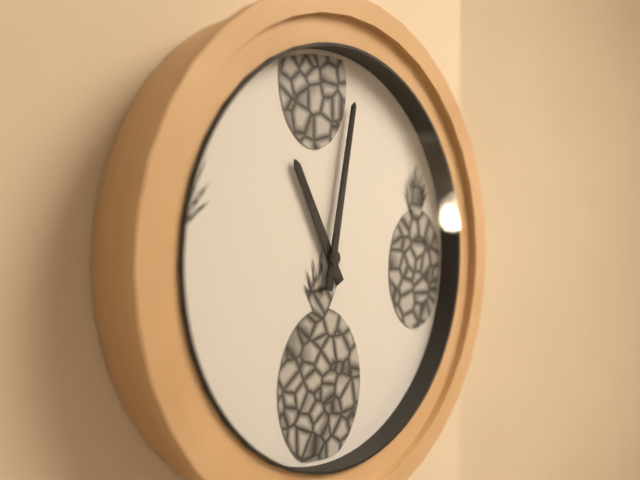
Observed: 11 h 02 min
